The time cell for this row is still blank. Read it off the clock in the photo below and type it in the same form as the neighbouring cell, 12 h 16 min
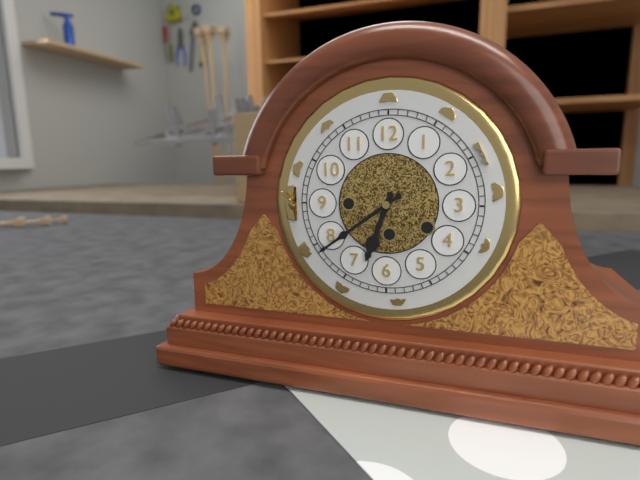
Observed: 6 h 39 min
